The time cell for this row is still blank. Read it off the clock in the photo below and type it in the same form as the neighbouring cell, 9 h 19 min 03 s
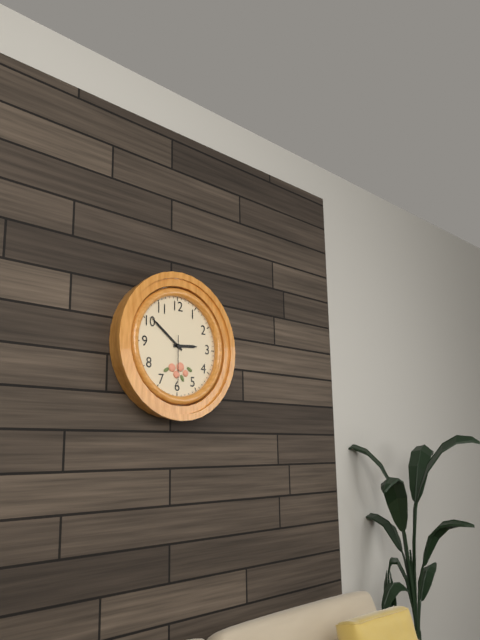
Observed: 2 h 51 min 30 s
